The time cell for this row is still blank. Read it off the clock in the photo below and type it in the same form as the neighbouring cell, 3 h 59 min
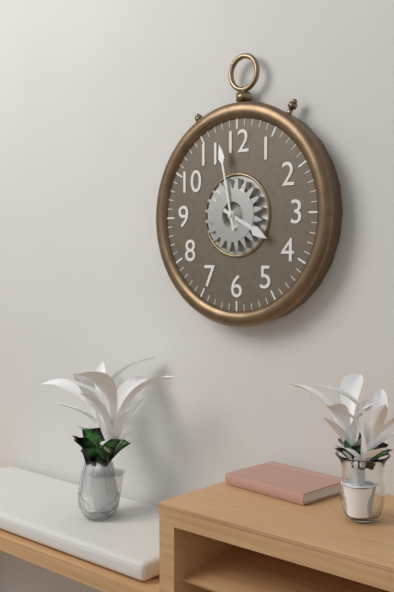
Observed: 3 h 58 min
